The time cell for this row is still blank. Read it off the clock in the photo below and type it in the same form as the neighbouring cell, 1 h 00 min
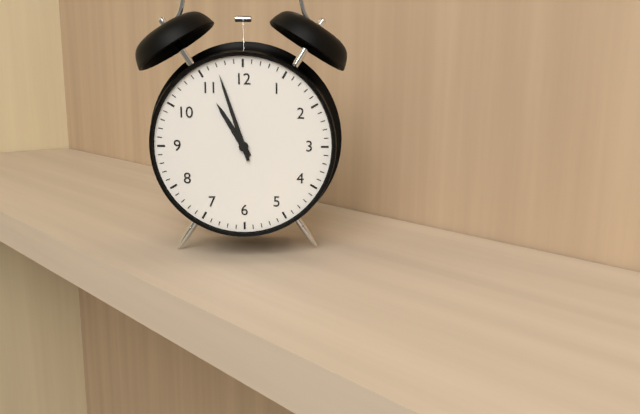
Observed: 10 h 57 min
